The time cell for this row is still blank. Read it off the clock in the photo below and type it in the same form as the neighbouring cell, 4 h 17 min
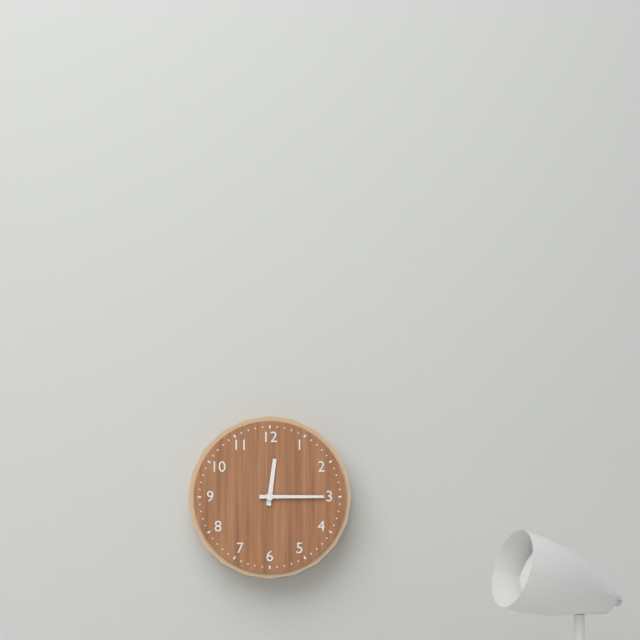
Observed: 12 h 15 min
